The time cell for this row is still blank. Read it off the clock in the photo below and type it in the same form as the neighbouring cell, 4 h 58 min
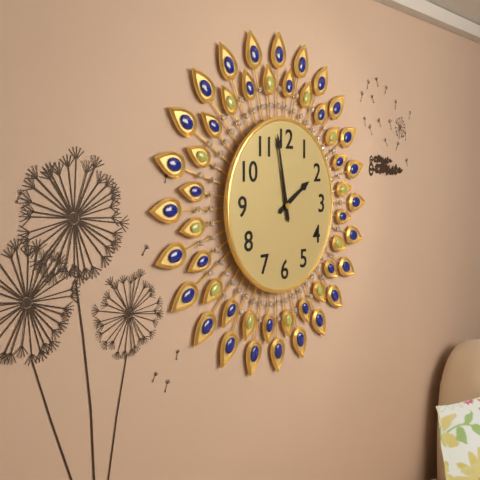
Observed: 1 h 58 min
